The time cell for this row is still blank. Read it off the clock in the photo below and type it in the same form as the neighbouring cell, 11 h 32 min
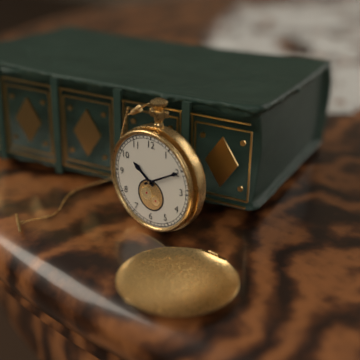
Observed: 10 h 10 min
